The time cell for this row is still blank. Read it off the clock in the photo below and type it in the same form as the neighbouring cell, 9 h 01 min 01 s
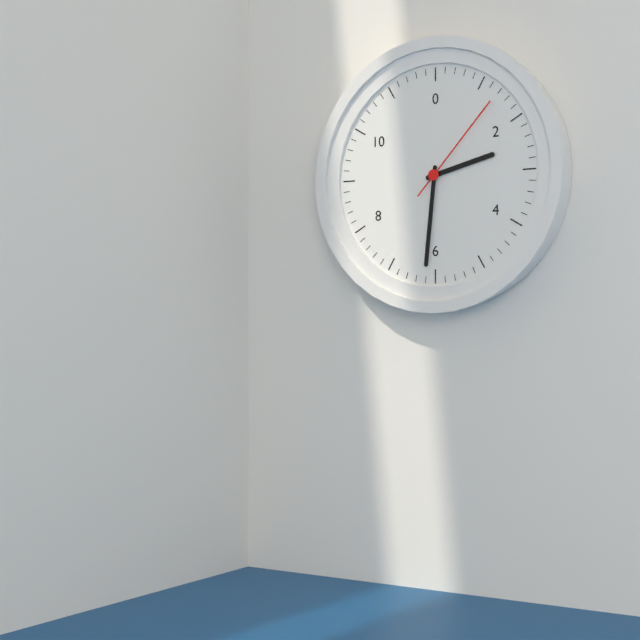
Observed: 2 h 31 min 07 s
